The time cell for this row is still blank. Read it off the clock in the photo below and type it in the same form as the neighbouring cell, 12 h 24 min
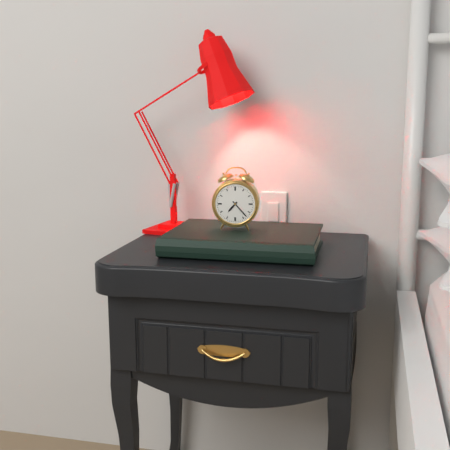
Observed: 7 h 23 min
